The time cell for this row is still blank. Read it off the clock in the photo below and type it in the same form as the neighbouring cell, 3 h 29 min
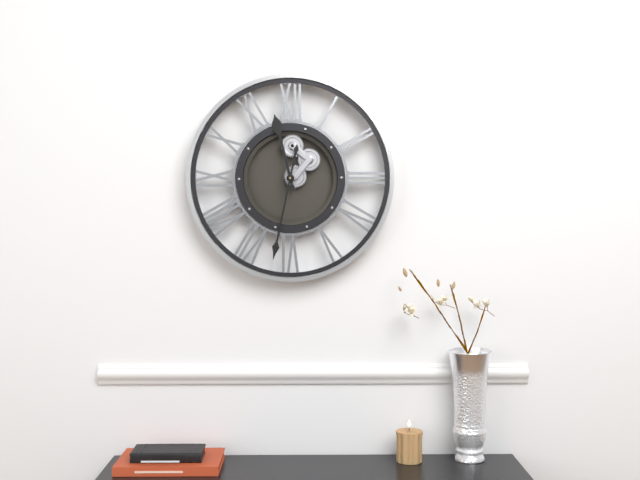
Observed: 11 h 32 min
